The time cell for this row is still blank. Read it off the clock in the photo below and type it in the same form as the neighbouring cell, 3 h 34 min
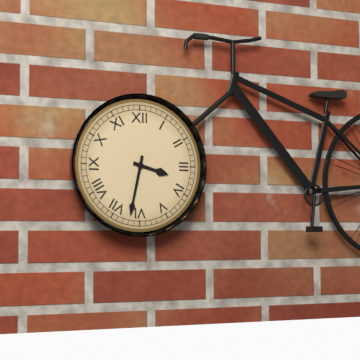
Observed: 3 h 32 min
